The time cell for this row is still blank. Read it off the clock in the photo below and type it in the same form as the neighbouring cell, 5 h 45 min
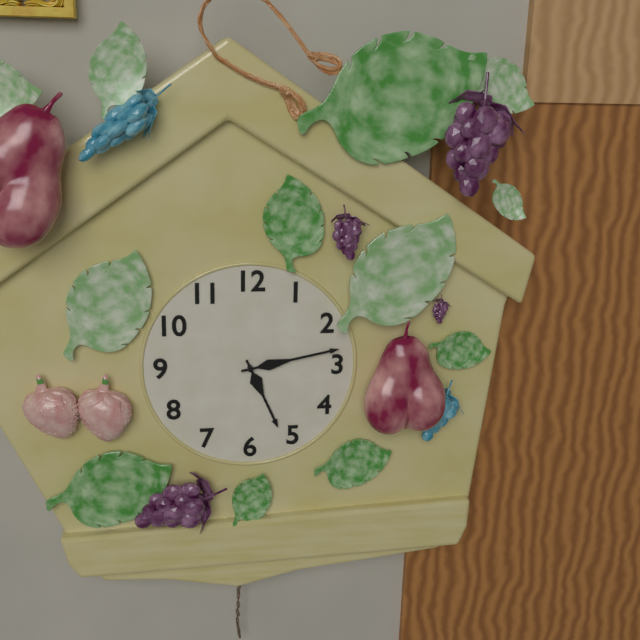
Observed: 5 h 13 min
